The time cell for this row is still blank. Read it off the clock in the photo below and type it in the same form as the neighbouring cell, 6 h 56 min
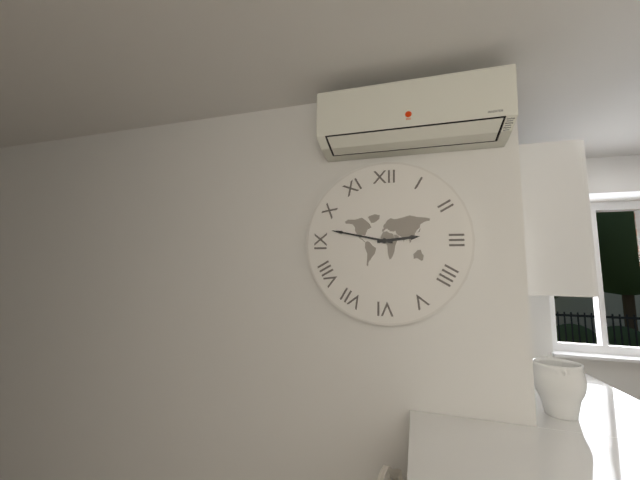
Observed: 2 h 47 min
